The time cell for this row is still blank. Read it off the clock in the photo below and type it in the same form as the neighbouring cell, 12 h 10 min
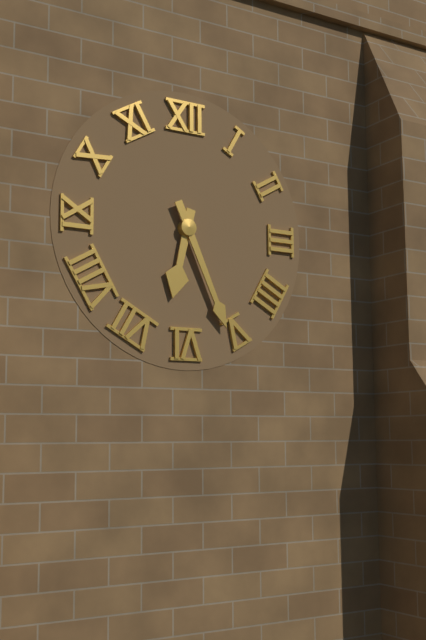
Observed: 6 h 26 min
